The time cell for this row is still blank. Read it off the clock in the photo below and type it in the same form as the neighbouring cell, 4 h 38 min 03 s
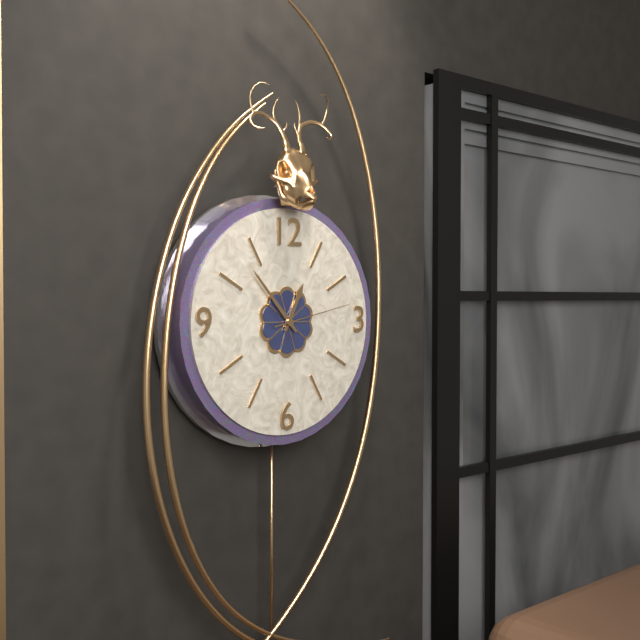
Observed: 12 h 53 min 13 s
